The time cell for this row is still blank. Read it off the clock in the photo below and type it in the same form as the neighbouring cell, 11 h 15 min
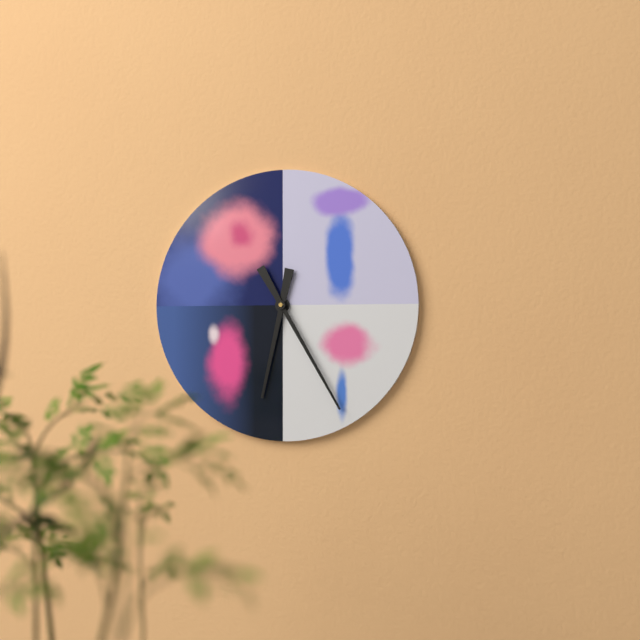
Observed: 6 h 25 min
